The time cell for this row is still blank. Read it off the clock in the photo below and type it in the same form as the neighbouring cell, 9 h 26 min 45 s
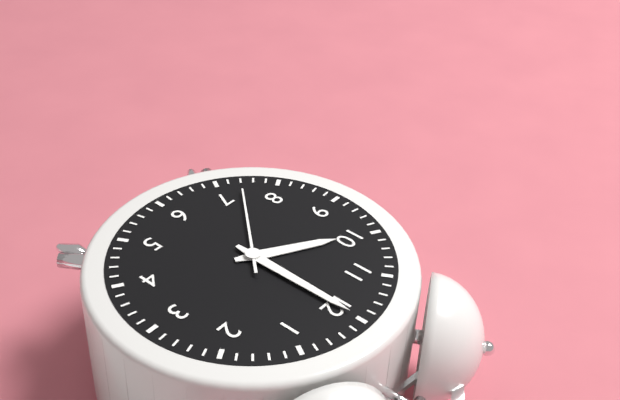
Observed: 10 h 00 min 37 s
